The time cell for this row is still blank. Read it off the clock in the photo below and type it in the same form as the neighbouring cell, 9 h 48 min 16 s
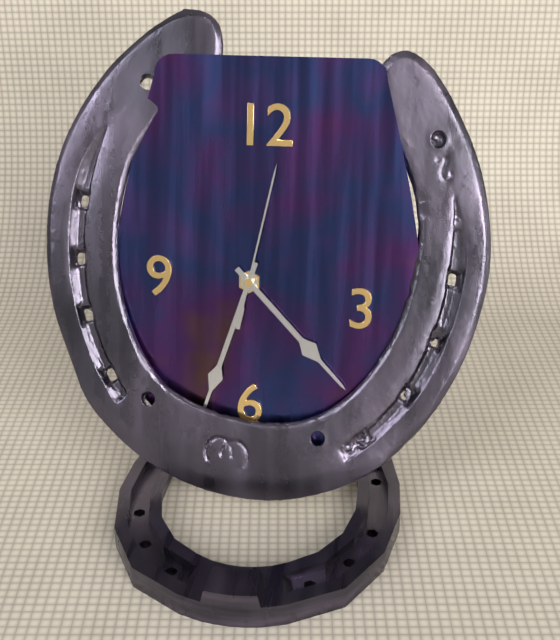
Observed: 4 h 33 min 02 s
